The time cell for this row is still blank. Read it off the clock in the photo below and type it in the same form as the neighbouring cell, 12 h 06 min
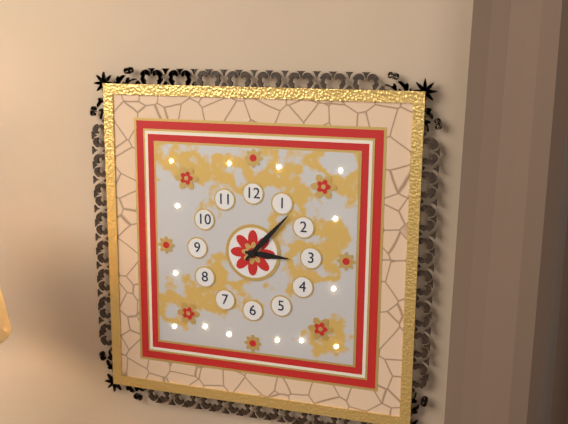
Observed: 3 h 07 min
